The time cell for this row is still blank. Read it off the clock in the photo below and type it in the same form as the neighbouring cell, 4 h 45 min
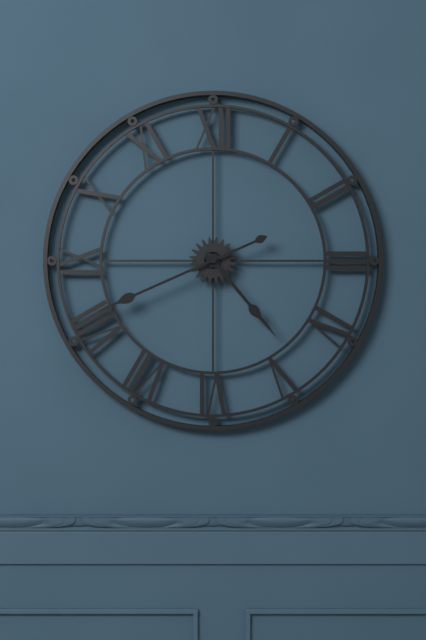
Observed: 4 h 41 min
